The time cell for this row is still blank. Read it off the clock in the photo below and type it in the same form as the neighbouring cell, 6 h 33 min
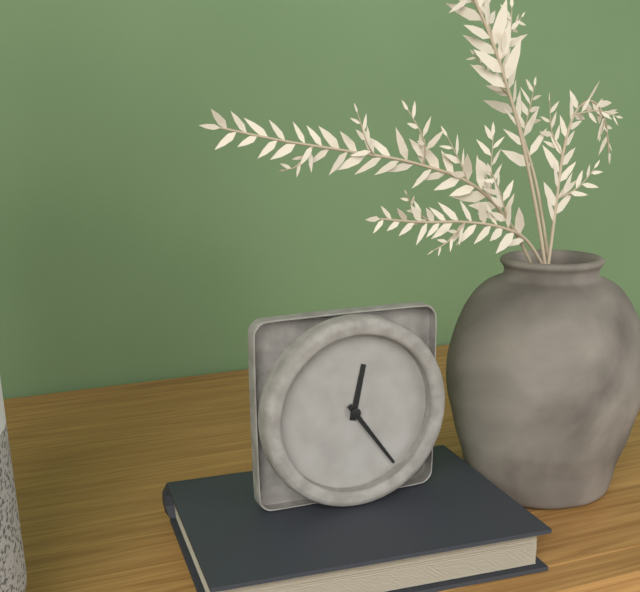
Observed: 12 h 24 min
